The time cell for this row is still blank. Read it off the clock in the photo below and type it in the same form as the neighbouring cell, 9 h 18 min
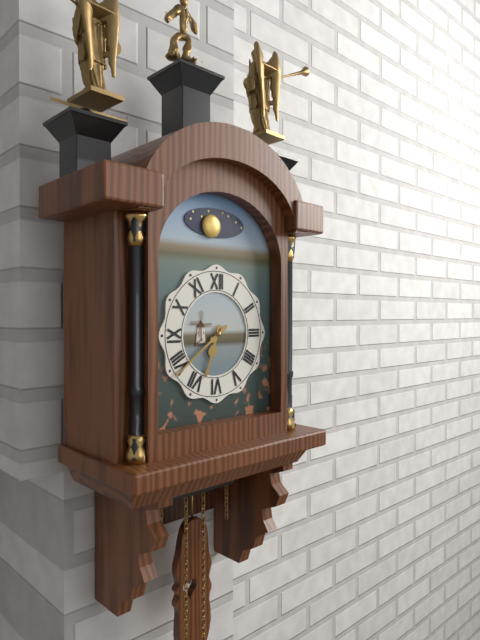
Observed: 6 h 39 min
